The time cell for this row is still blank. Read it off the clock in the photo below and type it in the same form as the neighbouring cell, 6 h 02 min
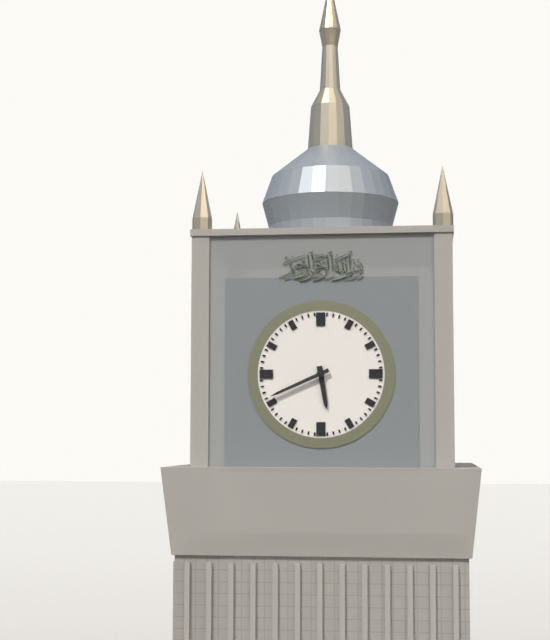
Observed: 5 h 41 min
